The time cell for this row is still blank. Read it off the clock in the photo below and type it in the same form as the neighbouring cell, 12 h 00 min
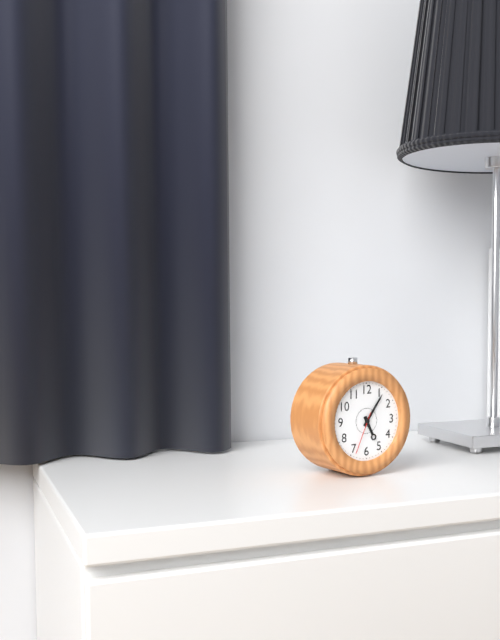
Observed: 5 h 06 min
